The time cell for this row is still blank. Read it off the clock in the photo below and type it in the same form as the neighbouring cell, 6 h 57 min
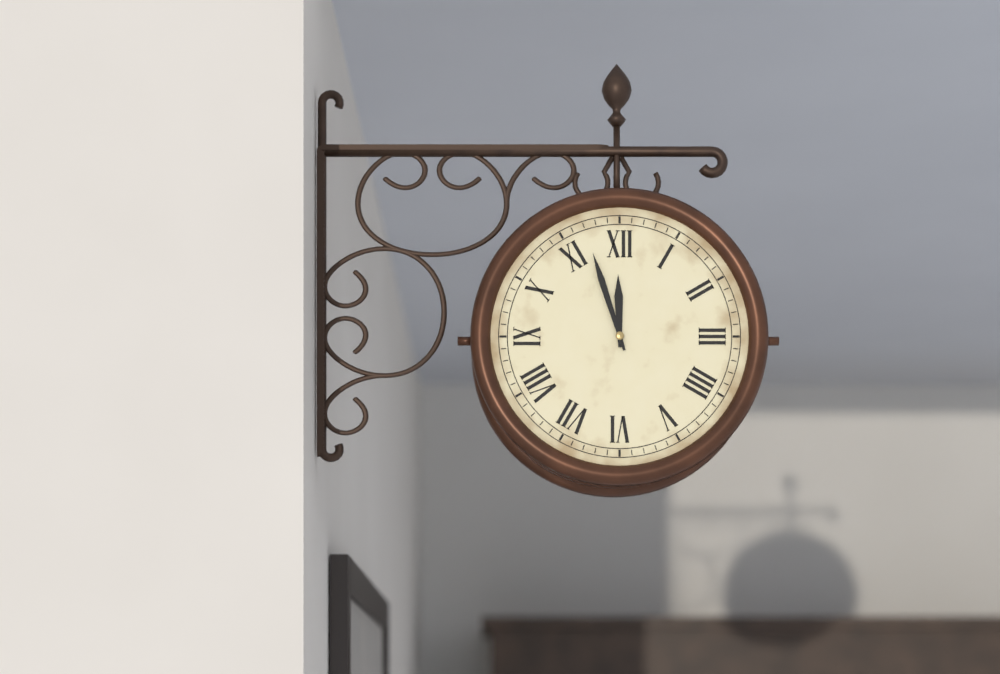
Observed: 11 h 57 min
